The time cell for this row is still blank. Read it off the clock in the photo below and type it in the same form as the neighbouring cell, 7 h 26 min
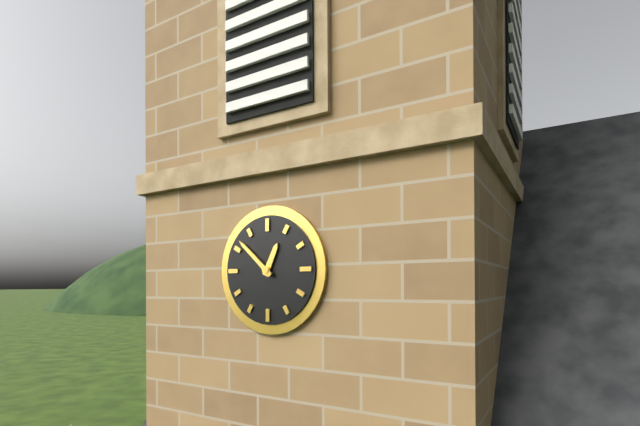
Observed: 12 h 52 min
